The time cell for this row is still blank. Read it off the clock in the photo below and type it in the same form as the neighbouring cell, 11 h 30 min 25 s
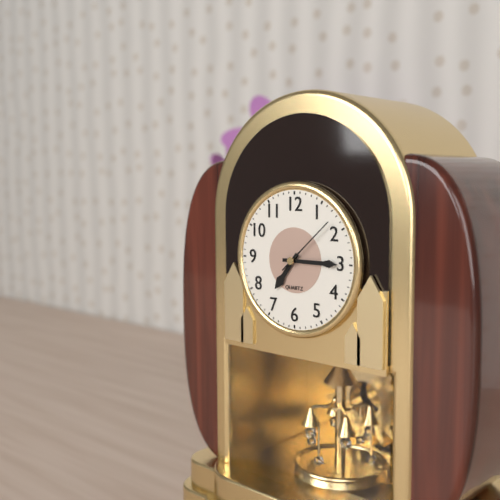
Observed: 7 h 15 min 08 s
